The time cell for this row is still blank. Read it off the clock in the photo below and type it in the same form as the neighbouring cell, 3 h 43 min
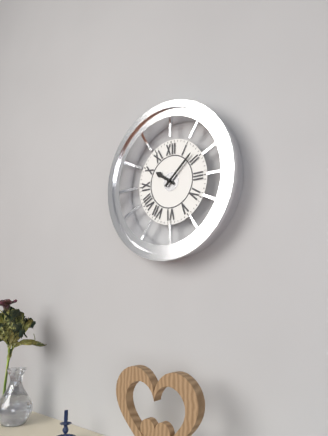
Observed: 10 h 08 min
